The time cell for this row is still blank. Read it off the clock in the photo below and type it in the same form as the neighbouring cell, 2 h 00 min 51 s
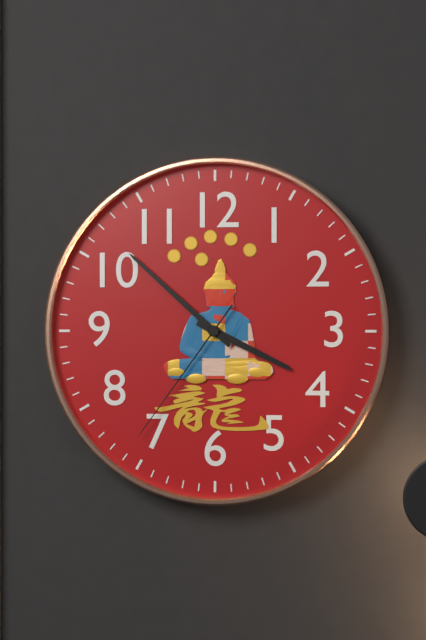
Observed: 3 h 52 min 36 s
